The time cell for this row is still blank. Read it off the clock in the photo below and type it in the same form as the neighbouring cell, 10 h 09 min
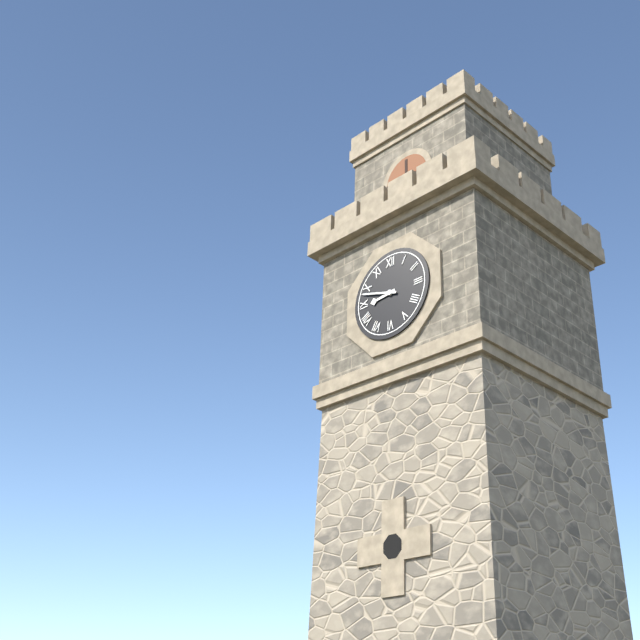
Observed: 8 h 48 min
